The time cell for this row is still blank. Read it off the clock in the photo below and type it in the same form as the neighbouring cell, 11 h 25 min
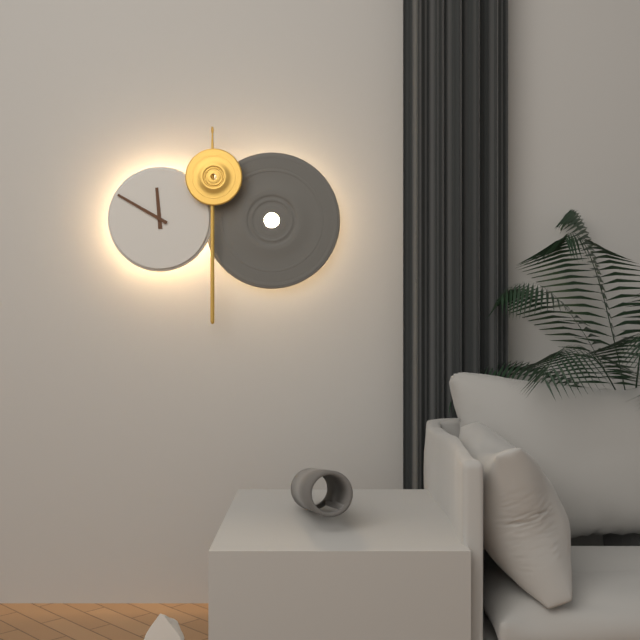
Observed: 11 h 50 min
